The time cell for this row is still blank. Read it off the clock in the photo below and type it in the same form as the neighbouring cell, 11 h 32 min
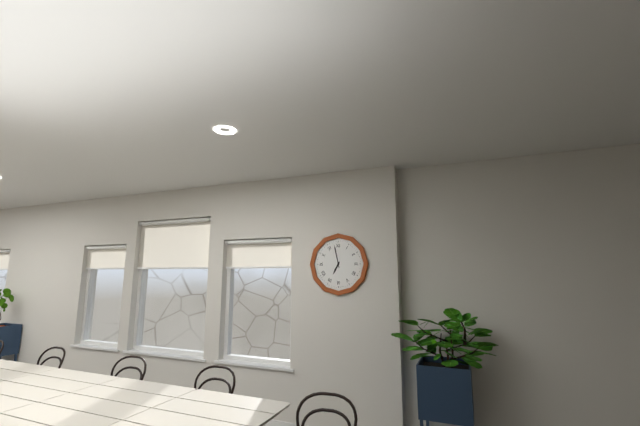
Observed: 6 h 58 min
